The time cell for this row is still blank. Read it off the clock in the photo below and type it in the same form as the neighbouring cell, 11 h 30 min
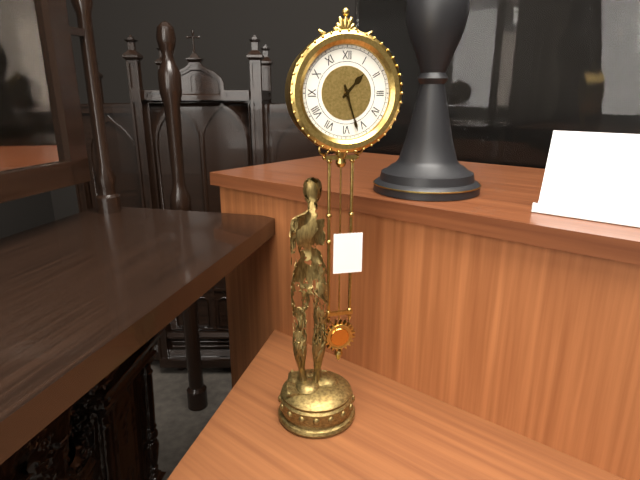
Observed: 1 h 27 min
